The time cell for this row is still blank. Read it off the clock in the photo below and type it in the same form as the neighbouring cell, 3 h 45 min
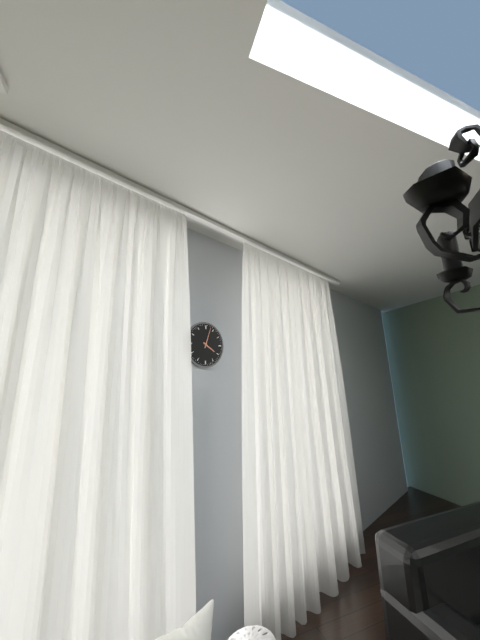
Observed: 4 h 03 min
